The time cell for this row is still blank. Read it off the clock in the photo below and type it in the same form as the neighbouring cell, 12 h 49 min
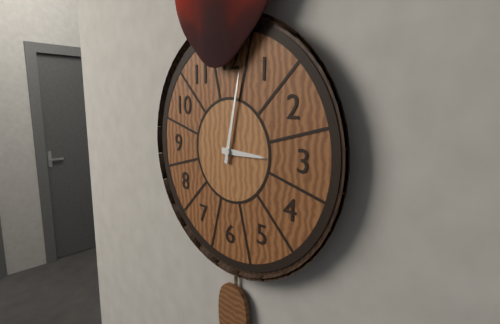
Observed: 3 h 02 min
